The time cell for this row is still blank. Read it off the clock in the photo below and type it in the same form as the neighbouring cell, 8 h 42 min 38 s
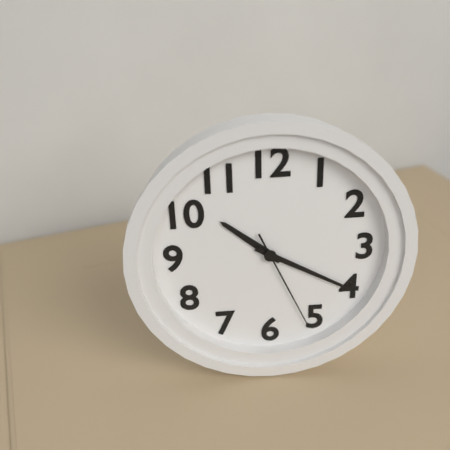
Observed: 10 h 20 min 26 s
